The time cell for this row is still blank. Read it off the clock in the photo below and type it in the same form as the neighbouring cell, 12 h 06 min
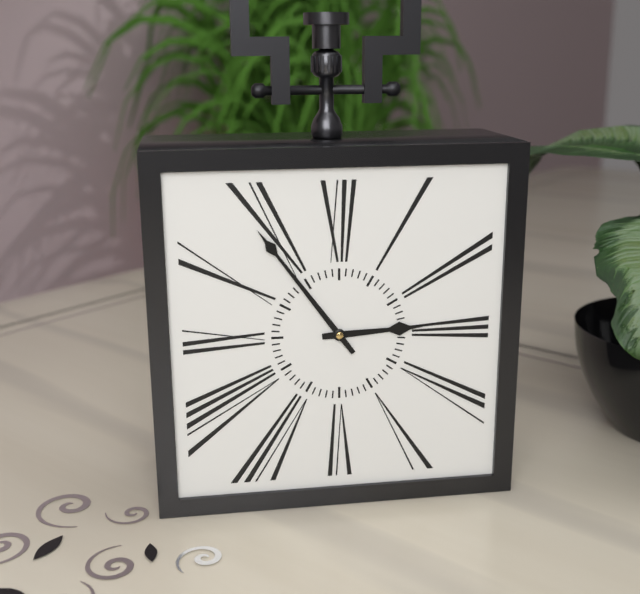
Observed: 2 h 54 min
